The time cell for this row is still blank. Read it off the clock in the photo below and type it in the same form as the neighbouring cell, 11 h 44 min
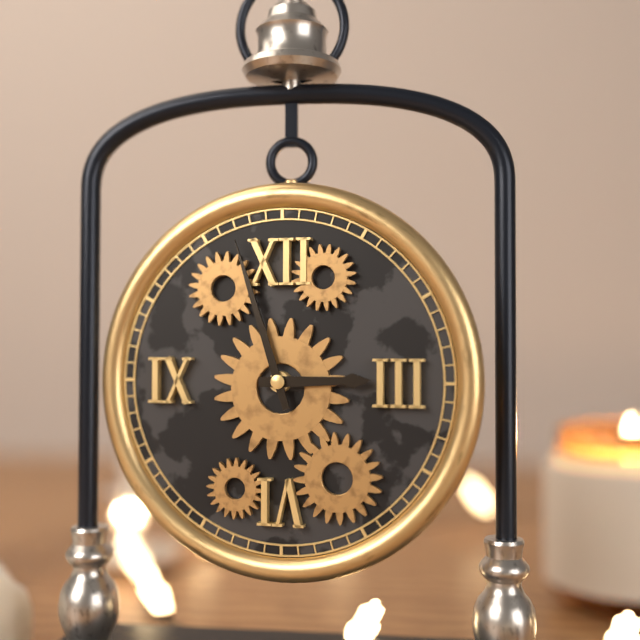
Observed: 2 h 57 min
